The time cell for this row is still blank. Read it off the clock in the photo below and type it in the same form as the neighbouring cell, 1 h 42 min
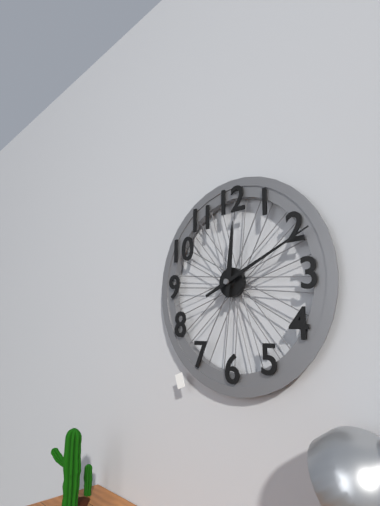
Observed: 12 h 11 min
